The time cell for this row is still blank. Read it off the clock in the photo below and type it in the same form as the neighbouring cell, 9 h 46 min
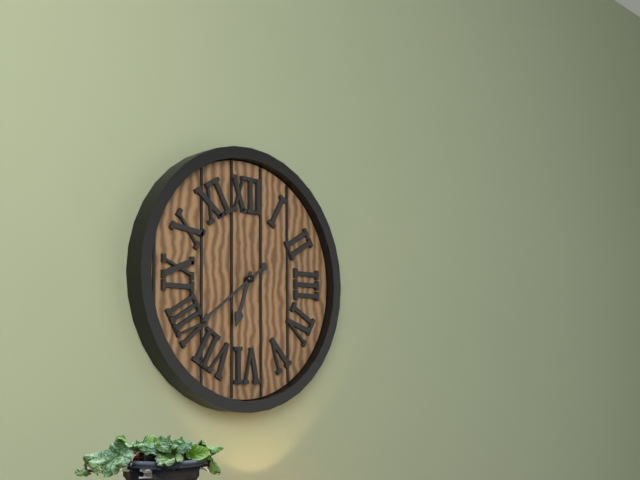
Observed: 6 h 39 min
